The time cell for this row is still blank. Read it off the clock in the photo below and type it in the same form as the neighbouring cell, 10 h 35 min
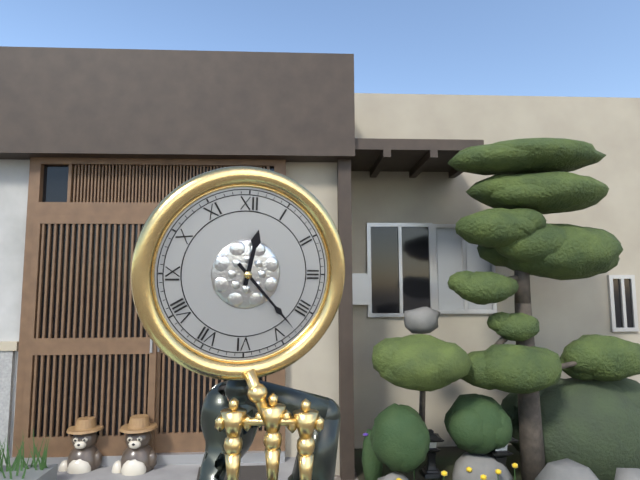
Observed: 12 h 23 min
